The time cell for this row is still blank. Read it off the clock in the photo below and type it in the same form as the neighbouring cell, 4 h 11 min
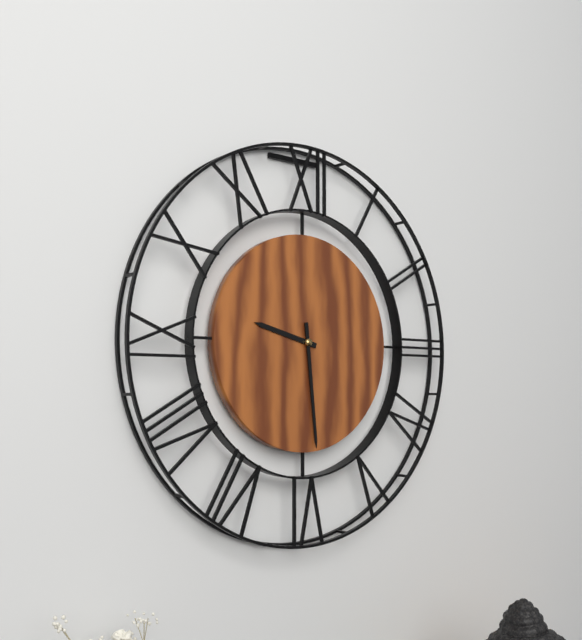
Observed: 9 h 29 min
